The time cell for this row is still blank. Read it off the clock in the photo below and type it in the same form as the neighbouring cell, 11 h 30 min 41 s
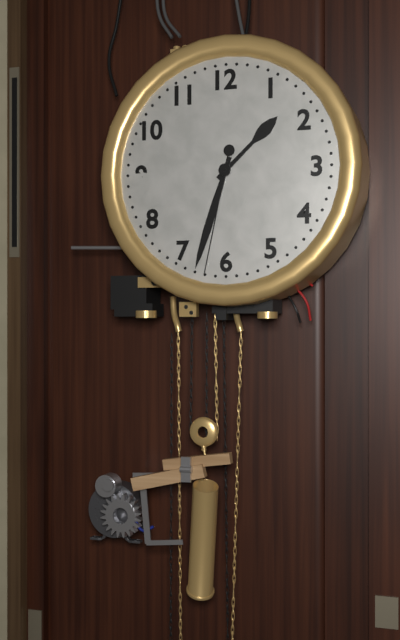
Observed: 1 h 33 min 32 s
